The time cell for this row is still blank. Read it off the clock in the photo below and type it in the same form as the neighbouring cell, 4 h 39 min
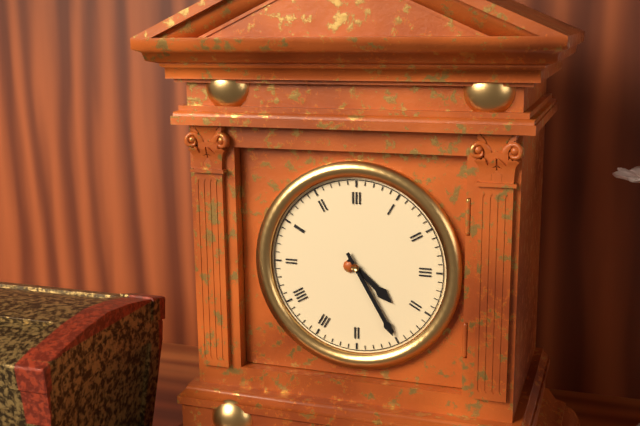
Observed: 4 h 25 min
